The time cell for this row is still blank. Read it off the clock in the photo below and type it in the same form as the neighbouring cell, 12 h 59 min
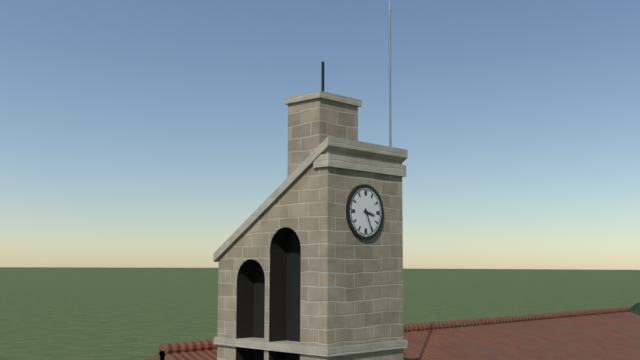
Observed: 3 h 26 min
